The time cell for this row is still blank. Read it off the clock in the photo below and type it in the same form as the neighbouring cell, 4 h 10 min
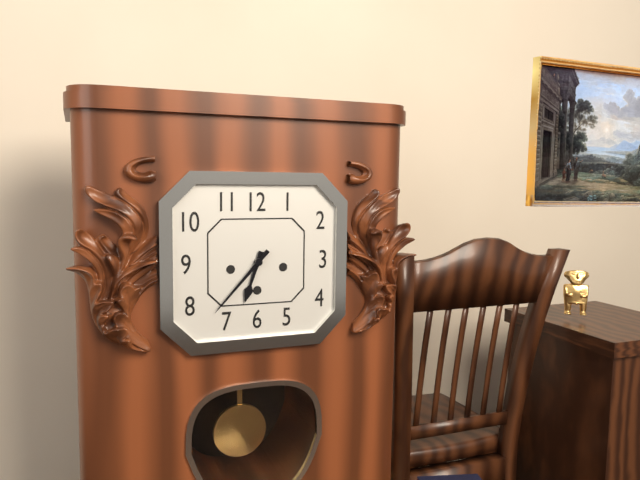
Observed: 6 h 37 min
